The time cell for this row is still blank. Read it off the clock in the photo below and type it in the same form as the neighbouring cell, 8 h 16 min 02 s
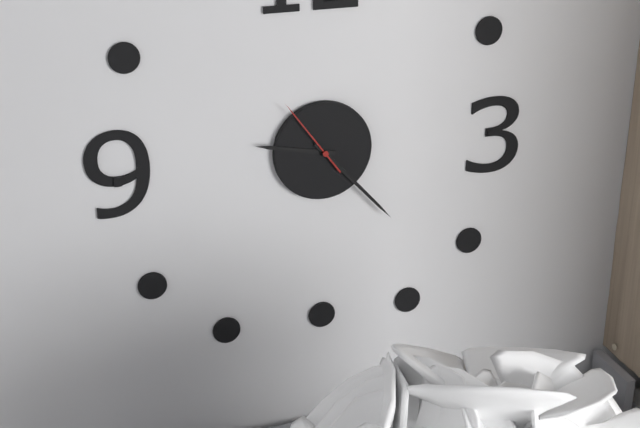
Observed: 9 h 23 min 54 s
